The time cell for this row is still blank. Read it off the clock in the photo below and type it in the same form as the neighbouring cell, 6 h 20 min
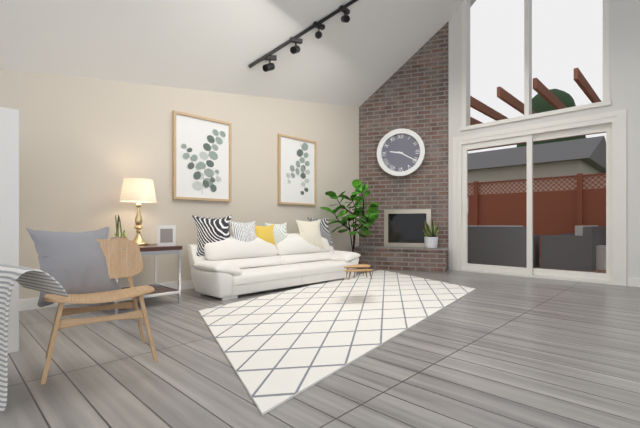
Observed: 9 h 20 min
